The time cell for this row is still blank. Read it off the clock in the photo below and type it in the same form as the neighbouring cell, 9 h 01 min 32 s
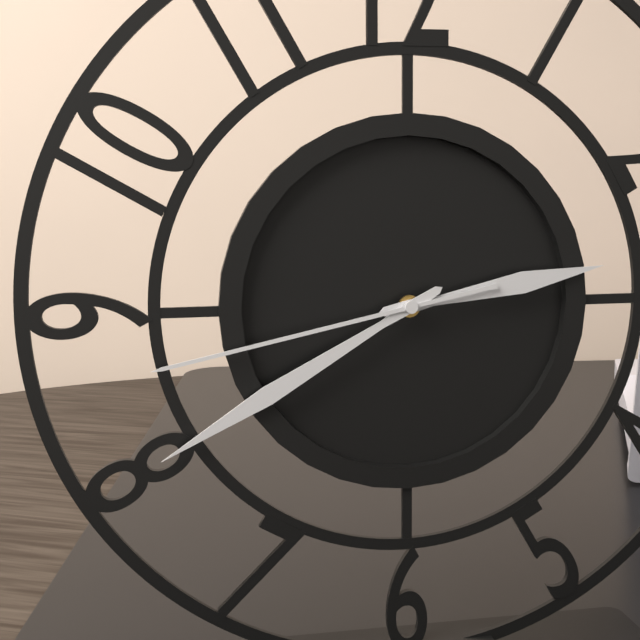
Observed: 2 h 40 min 43 s
